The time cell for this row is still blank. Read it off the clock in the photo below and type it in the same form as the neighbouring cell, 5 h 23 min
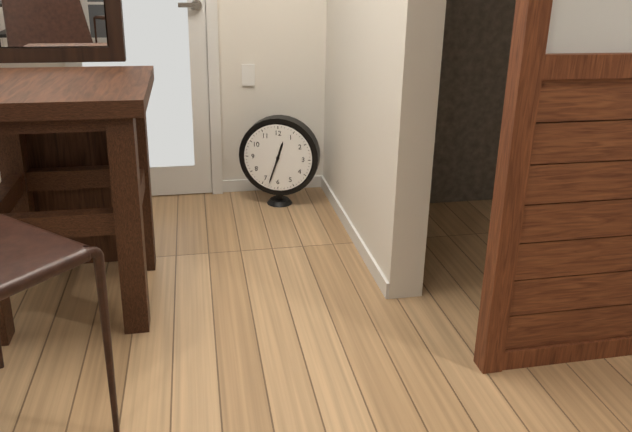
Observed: 12 h 33 min
